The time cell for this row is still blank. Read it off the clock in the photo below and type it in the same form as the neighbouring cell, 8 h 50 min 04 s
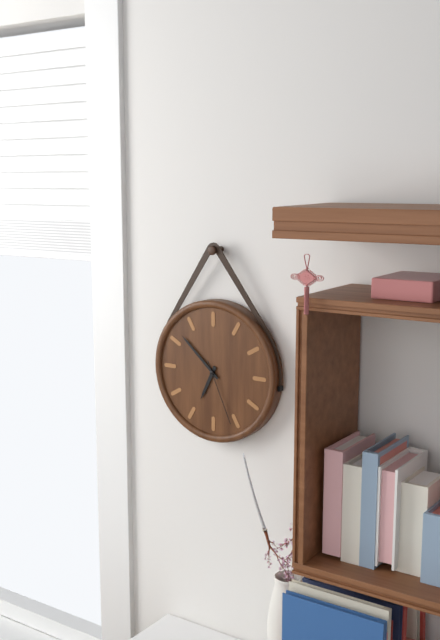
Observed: 6 h 52 min 26 s
